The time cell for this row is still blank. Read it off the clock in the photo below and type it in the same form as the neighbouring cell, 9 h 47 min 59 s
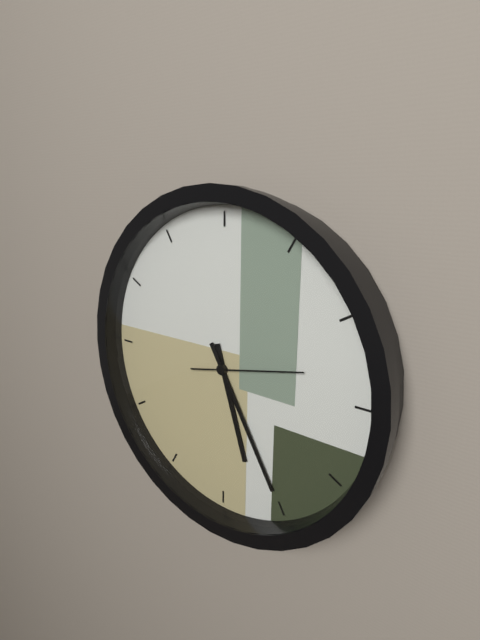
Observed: 5 h 25 min 13 s
